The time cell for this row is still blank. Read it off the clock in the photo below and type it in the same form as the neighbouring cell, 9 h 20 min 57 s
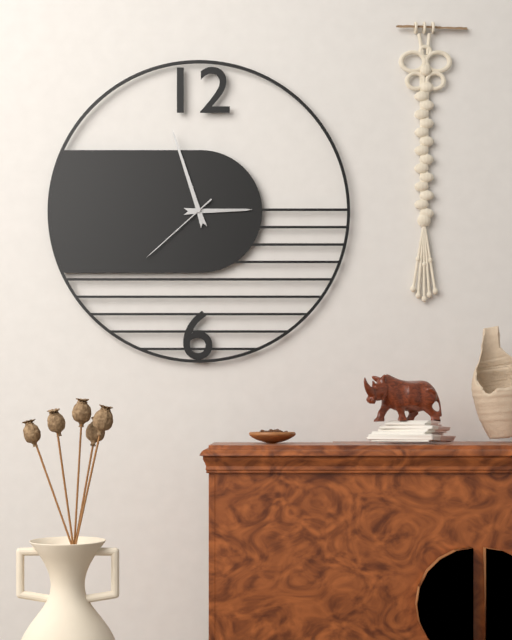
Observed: 2 h 57 min 38 s
